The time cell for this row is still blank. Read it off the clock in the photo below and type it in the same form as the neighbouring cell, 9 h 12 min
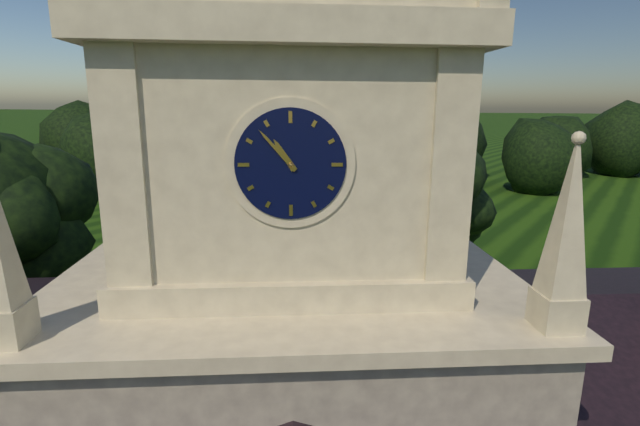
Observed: 10 h 53 min
